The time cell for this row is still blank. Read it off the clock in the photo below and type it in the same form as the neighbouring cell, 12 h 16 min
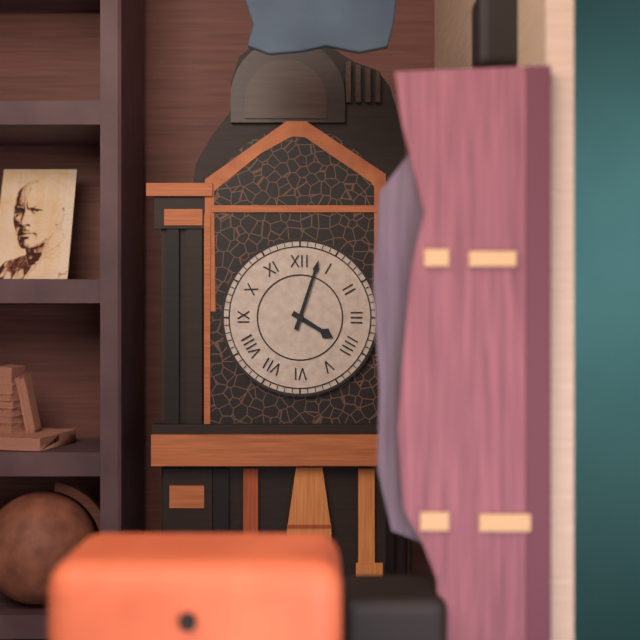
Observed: 4 h 03 min
